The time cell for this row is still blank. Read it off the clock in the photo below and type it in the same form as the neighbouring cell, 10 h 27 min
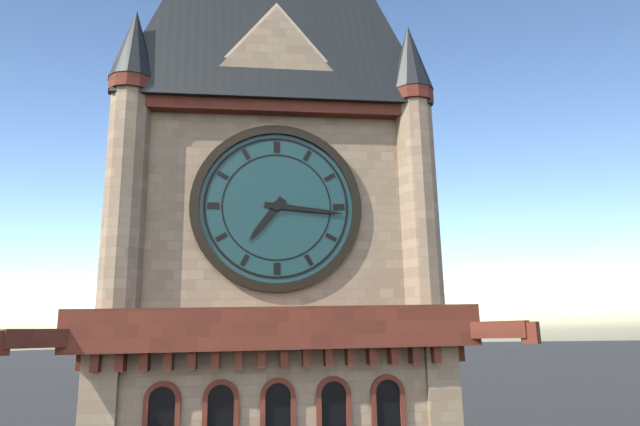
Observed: 7 h 16 min
